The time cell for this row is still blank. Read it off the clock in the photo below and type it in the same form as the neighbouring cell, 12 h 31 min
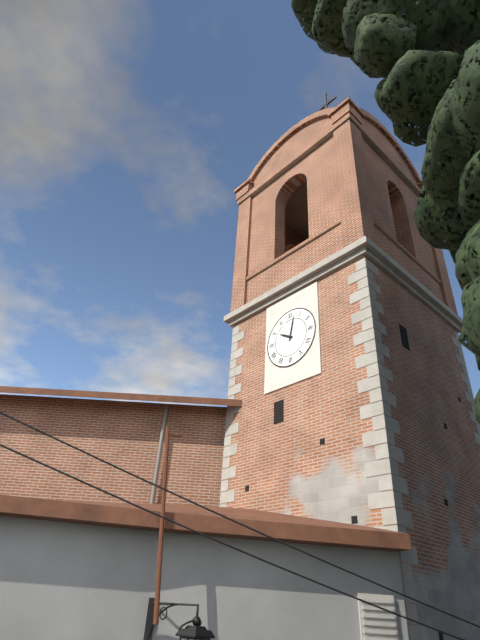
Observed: 10 h 02 min
